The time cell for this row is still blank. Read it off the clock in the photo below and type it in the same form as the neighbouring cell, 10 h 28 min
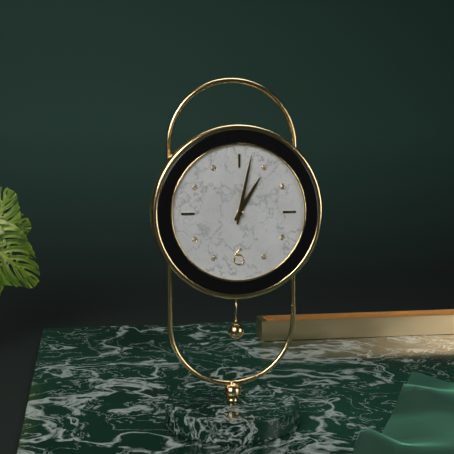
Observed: 1 h 02 min
